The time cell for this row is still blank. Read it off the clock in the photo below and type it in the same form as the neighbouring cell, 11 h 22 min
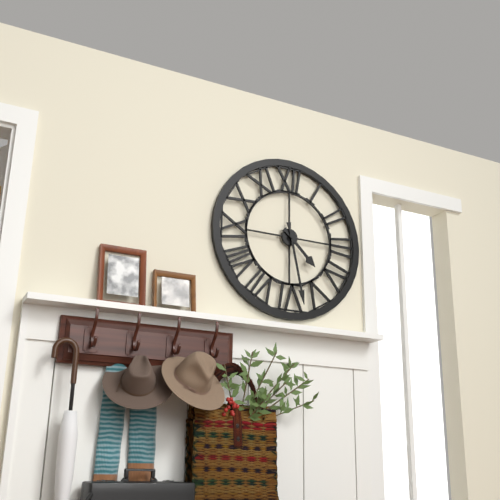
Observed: 4 h 28 min
